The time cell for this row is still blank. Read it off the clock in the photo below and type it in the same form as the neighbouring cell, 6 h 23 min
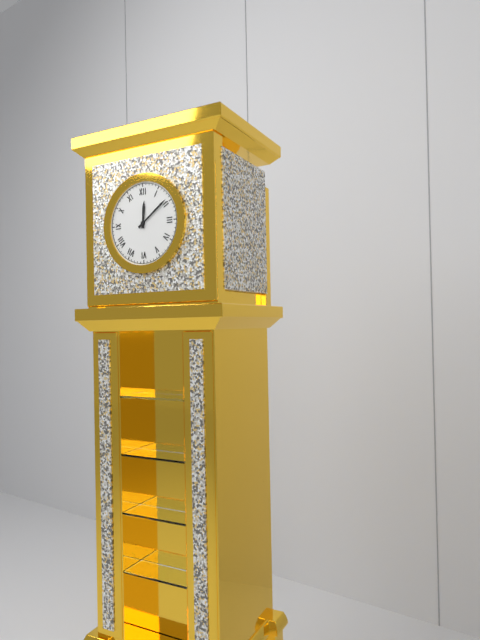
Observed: 12 h 09 min
